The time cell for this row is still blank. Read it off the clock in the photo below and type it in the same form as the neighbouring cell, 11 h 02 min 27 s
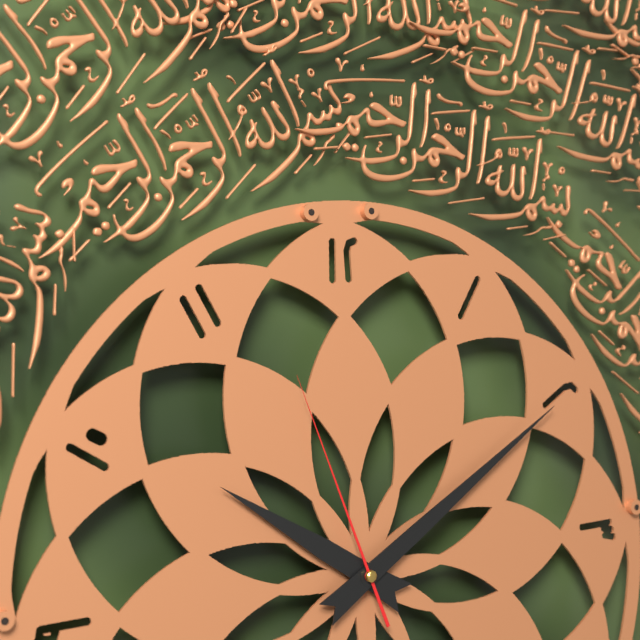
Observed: 10 h 10 min 57 s
